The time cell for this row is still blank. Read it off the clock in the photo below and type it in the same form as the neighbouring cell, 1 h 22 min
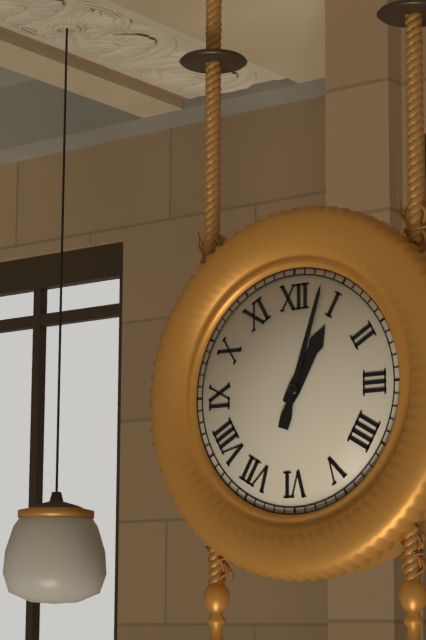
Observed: 1 h 03 min
